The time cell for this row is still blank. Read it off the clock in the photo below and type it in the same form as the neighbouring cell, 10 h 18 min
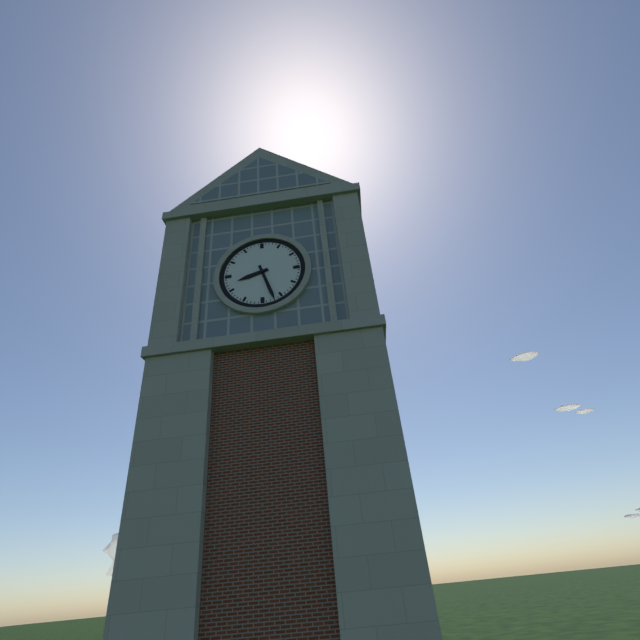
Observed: 8 h 27 min
